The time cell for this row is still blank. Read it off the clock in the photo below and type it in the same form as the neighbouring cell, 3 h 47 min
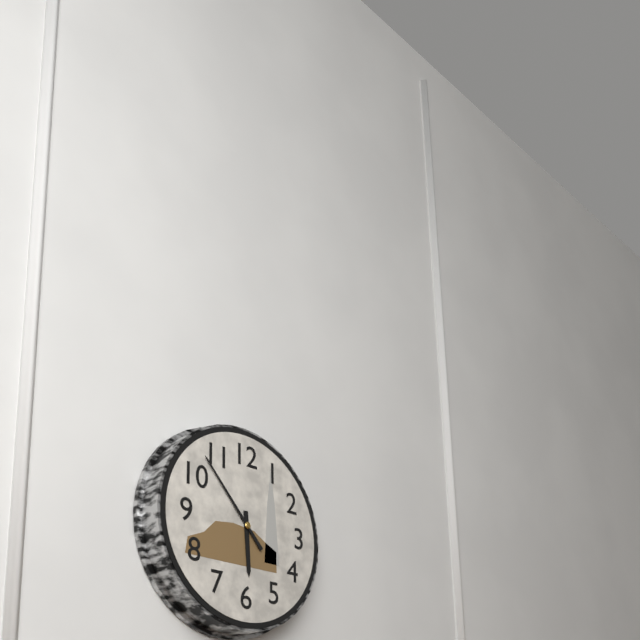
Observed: 5 h 53 min
